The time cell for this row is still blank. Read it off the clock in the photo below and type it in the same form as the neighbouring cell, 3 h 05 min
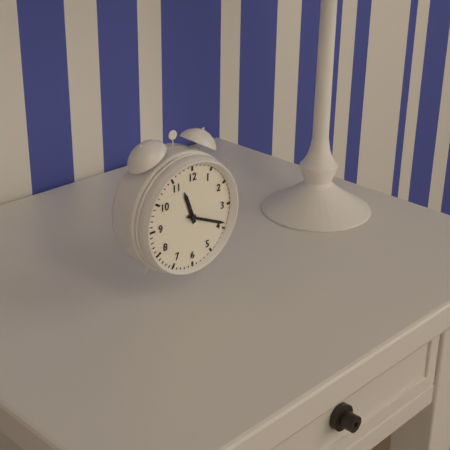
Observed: 11 h 19 min
